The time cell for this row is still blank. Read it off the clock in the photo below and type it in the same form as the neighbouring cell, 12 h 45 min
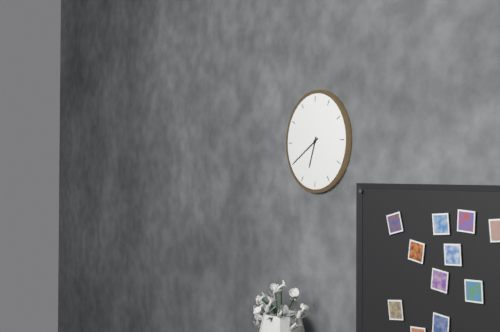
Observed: 6 h 40 min
